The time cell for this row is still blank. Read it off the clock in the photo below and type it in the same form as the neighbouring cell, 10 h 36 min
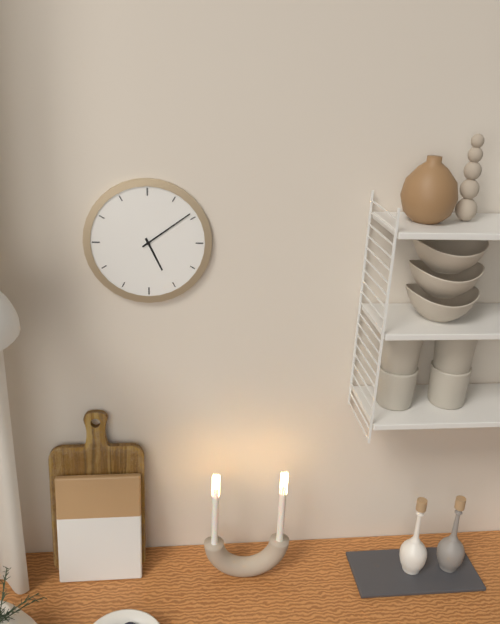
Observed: 5 h 09 min
